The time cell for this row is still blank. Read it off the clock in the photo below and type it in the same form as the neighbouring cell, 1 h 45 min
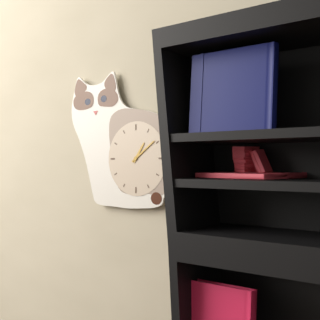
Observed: 1 h 09 min
